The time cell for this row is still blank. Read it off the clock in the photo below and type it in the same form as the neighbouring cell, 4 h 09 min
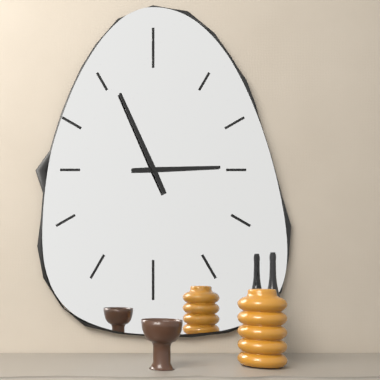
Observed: 2 h 56 min
